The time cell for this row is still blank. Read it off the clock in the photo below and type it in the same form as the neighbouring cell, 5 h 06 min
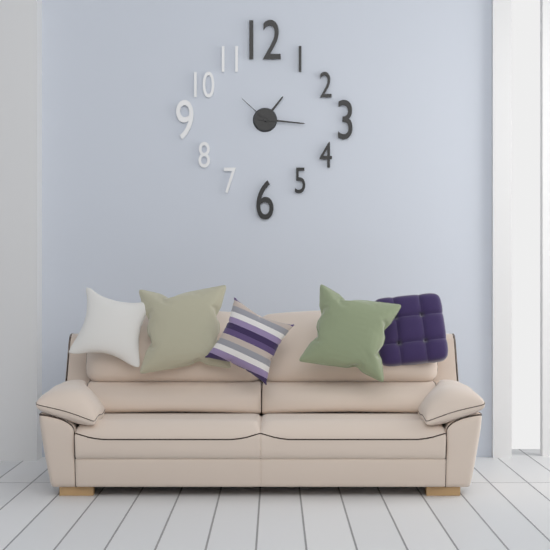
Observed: 1 h 16 min
